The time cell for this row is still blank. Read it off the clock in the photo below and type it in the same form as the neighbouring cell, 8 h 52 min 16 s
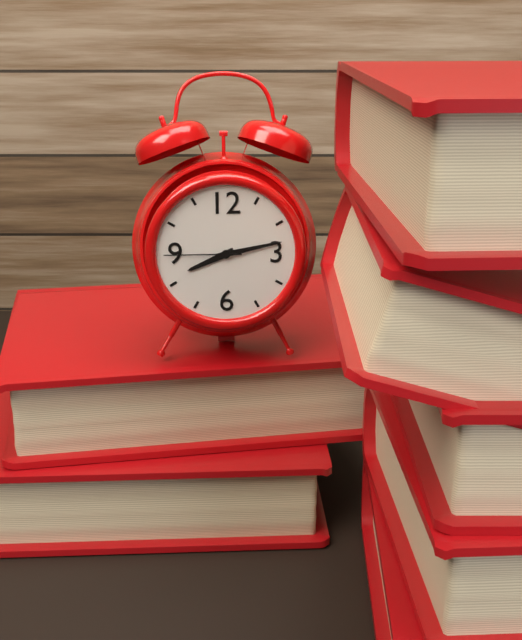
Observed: 8 h 13 min 45 s
